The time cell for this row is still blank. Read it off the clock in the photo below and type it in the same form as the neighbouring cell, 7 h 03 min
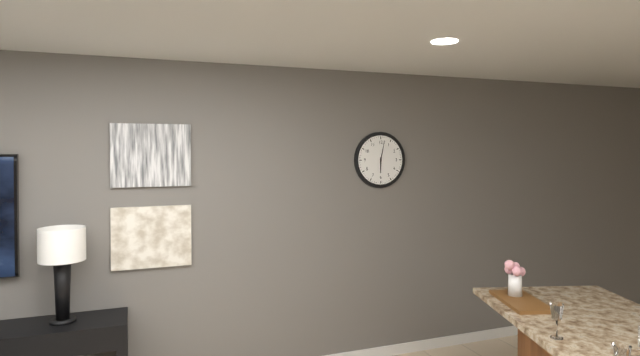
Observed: 6 h 02 min
